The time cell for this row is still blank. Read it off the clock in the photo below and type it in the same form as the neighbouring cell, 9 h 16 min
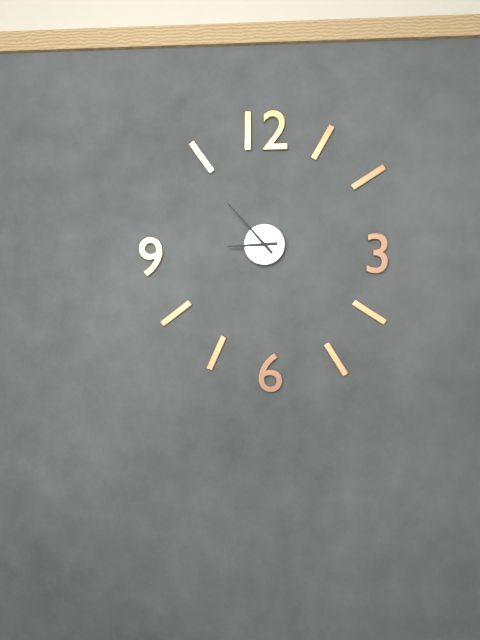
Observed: 8 h 53 min
